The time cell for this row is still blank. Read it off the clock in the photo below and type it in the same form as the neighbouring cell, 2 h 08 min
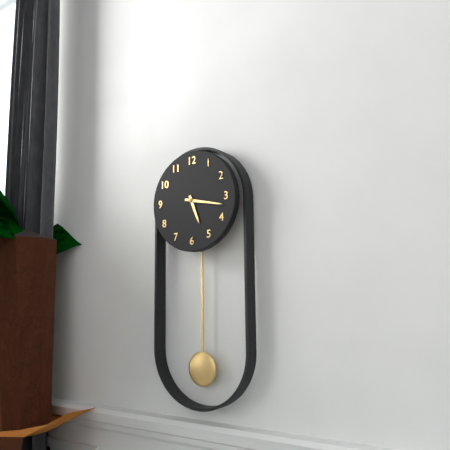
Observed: 5 h 17 min
